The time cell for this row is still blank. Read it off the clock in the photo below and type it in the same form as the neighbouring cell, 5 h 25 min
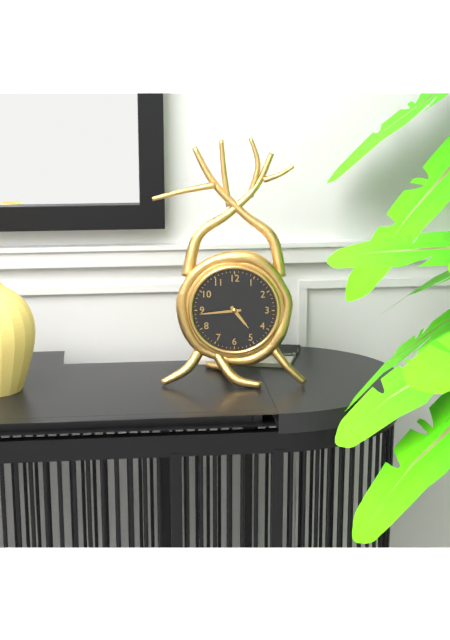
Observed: 4 h 44 min
